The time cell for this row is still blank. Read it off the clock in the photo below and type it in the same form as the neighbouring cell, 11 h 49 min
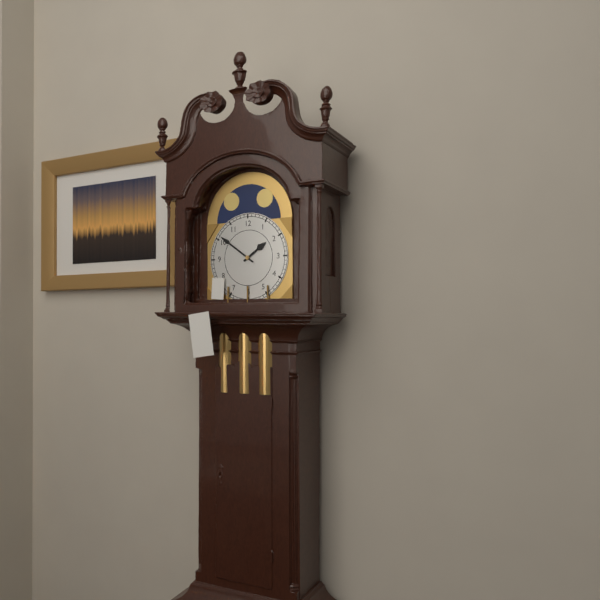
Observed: 1 h 51 min
